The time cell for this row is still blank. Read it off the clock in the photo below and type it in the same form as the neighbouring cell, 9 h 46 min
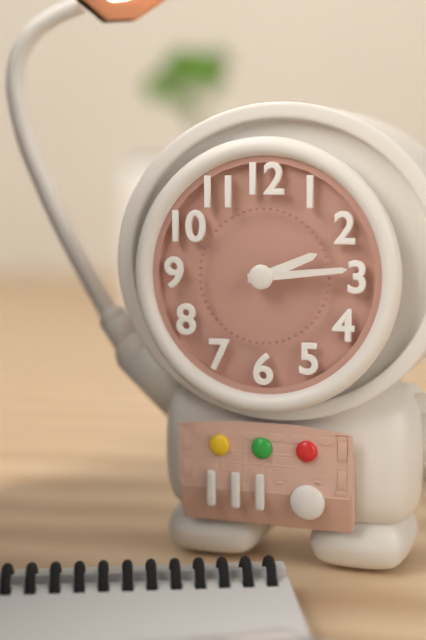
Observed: 2 h 14 min
